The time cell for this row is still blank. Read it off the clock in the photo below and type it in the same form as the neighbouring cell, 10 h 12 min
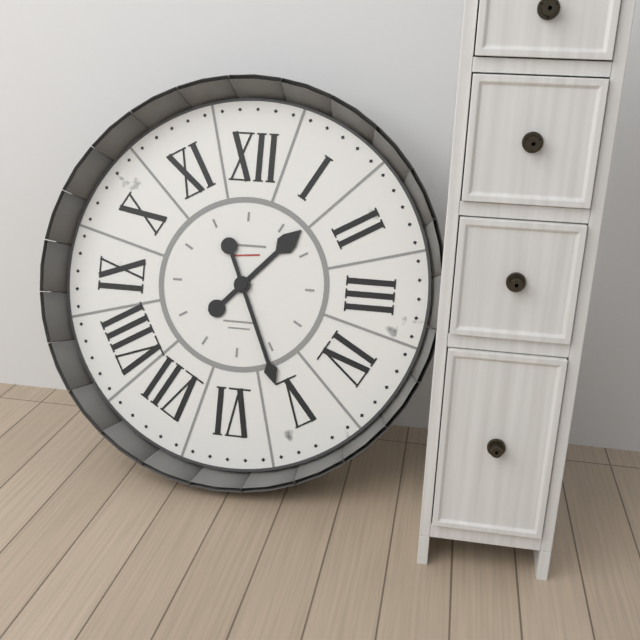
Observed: 1 h 26 min
